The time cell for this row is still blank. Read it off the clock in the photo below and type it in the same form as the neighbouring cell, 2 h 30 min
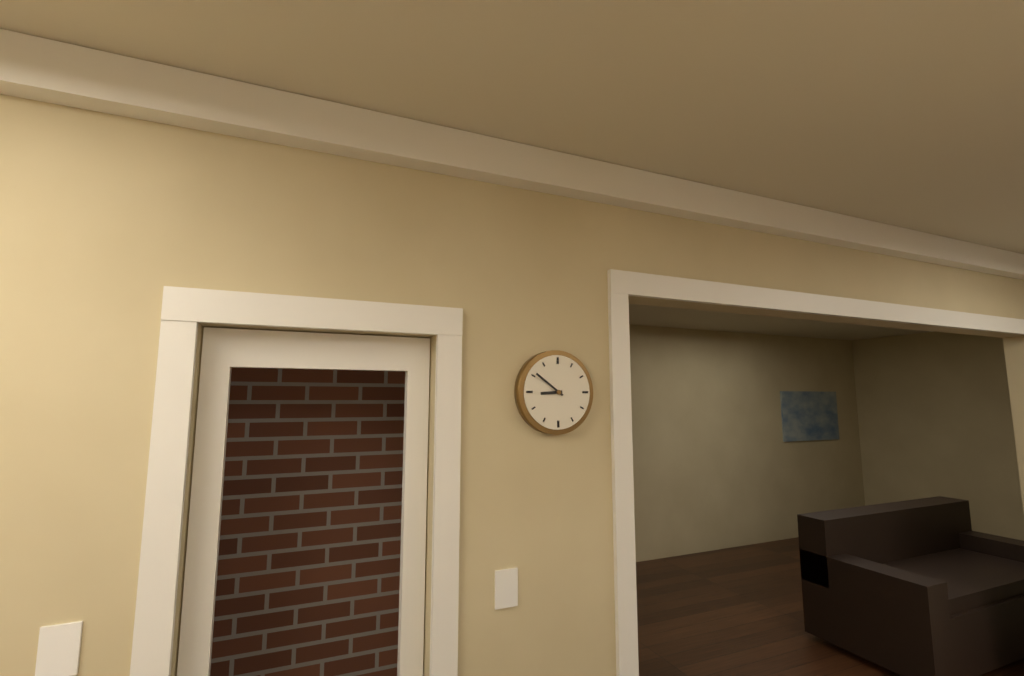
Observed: 8 h 51 min
